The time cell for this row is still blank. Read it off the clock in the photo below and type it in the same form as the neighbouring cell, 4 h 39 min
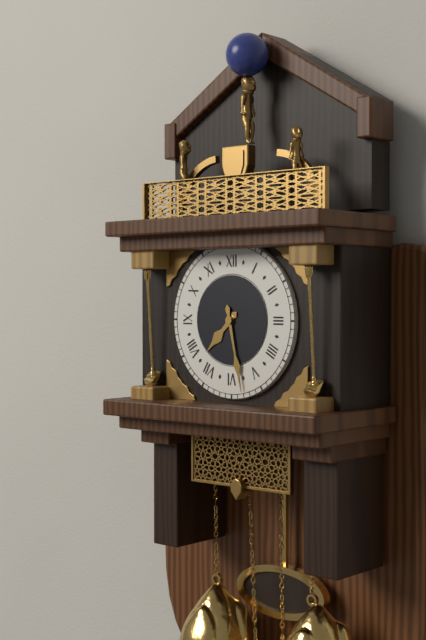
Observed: 7 h 28 min
